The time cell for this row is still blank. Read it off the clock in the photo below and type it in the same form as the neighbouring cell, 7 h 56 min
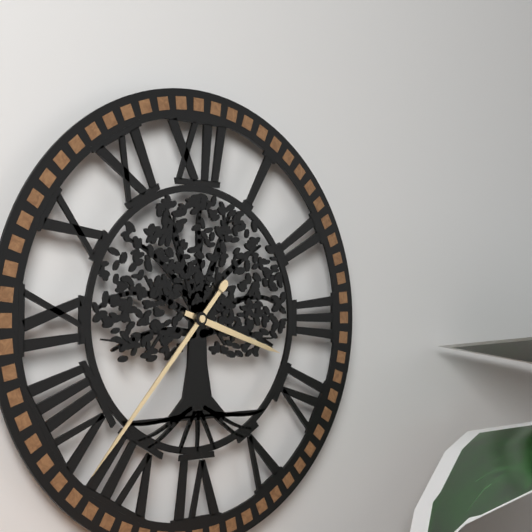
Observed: 3 h 37 min
